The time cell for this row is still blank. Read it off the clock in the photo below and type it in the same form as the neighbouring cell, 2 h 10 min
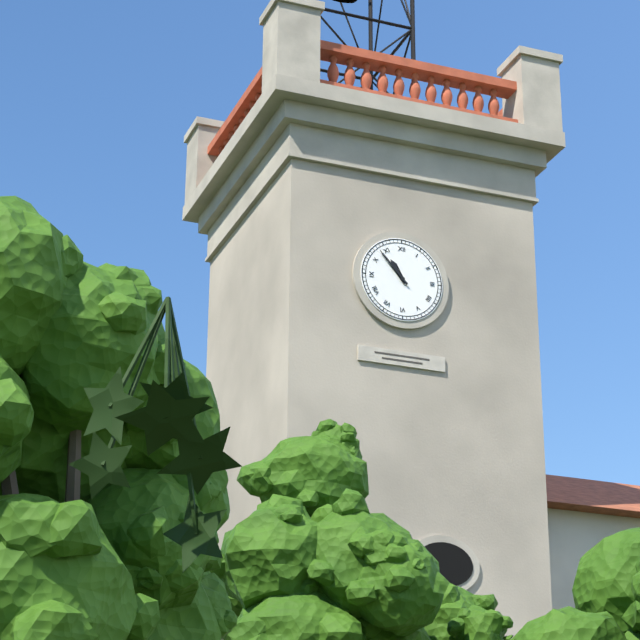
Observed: 10 h 53 min
